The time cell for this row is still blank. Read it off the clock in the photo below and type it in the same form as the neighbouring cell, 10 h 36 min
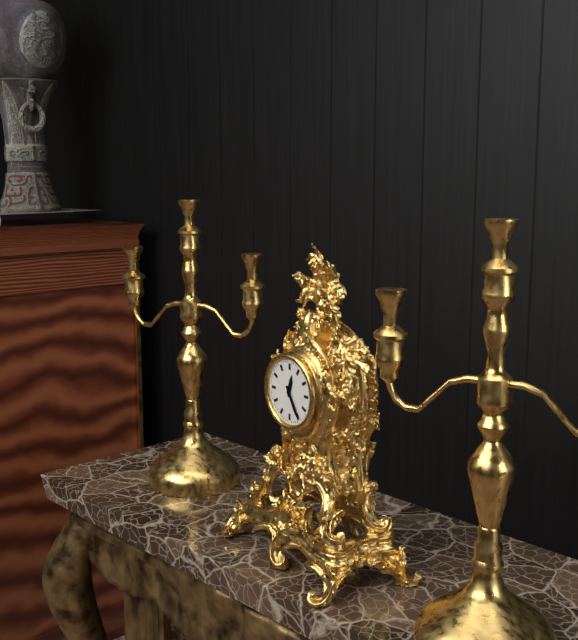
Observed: 12 h 25 min
